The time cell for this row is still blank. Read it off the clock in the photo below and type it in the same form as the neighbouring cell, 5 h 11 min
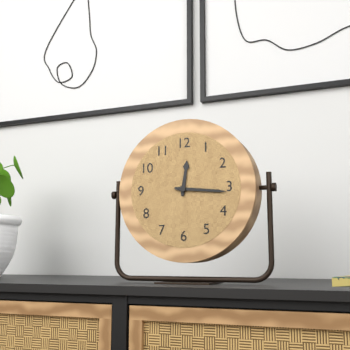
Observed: 12 h 16 min
